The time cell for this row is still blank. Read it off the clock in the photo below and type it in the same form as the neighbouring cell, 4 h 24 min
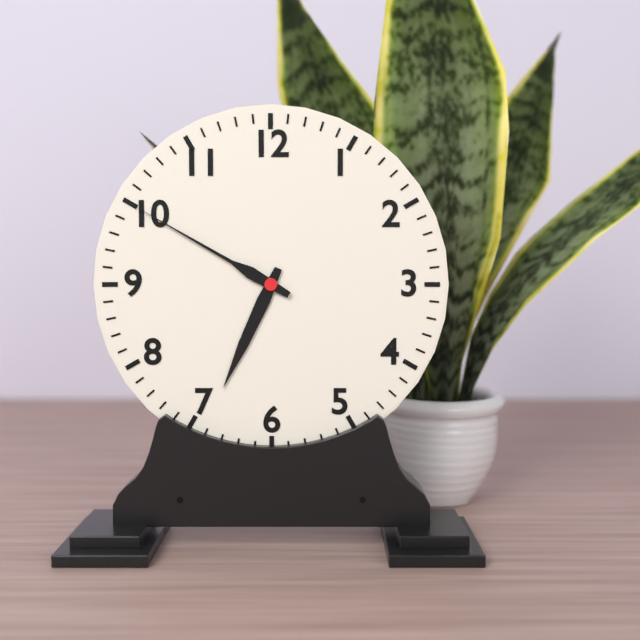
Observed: 6 h 50 min
